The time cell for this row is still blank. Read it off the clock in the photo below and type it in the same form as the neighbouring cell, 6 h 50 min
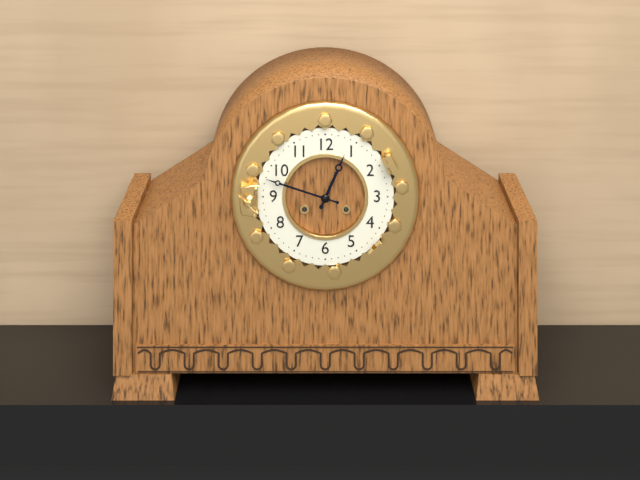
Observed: 12 h 48 min
